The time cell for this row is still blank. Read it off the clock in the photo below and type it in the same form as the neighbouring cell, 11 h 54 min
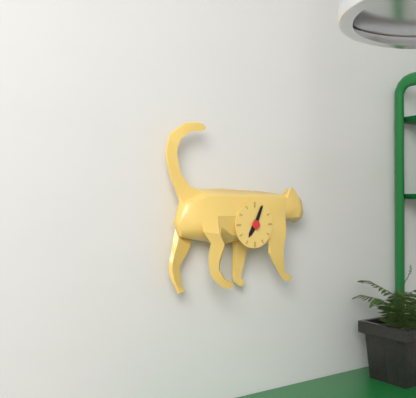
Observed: 7 h 04 min
